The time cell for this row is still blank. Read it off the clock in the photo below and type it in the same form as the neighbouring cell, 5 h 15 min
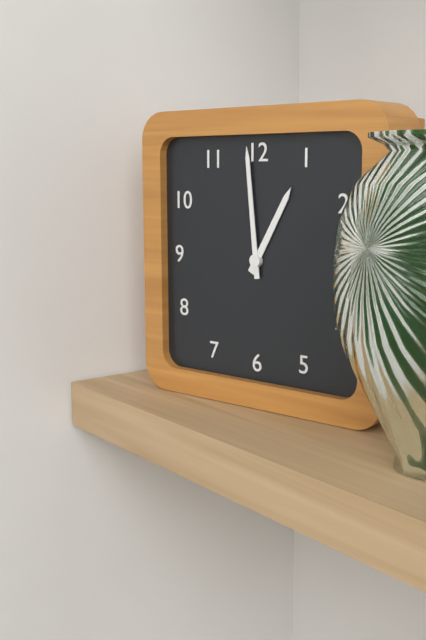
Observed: 12 h 59 min
